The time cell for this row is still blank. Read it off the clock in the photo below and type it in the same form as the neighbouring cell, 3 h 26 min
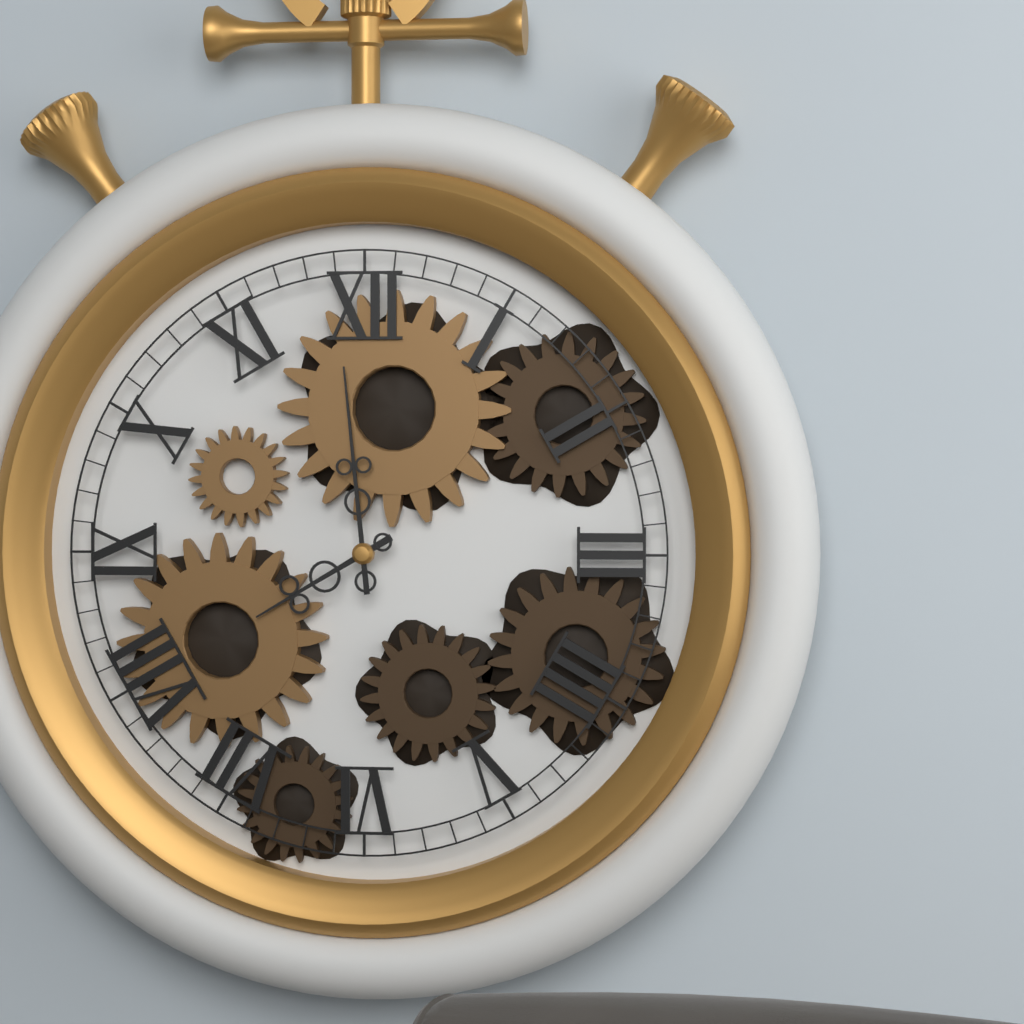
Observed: 7 h 59 min
